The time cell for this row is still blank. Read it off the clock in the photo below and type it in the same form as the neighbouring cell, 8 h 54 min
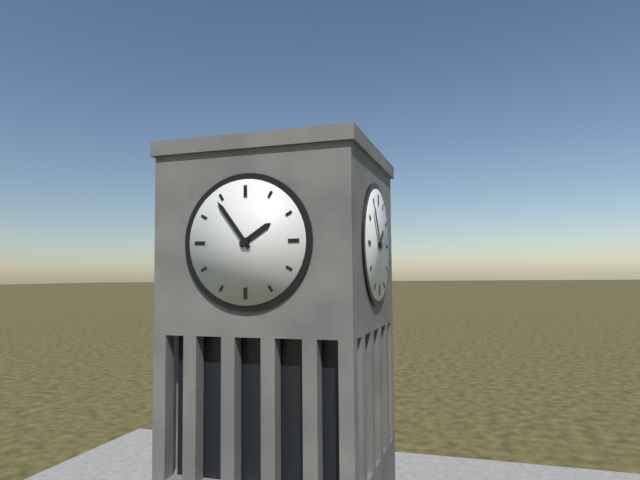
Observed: 1 h 54 min
